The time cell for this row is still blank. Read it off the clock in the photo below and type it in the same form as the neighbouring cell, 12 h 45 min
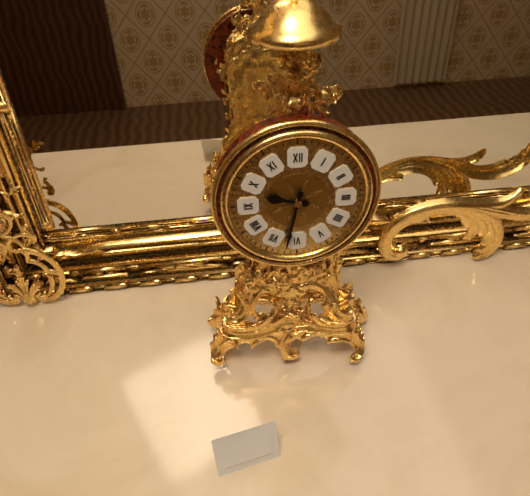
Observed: 9 h 32 min
